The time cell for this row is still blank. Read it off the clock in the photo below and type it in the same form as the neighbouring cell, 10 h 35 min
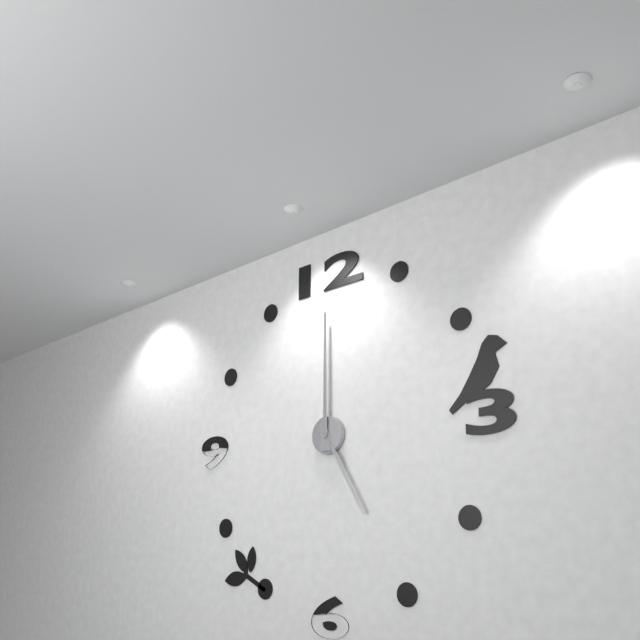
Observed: 5 h 00 min
